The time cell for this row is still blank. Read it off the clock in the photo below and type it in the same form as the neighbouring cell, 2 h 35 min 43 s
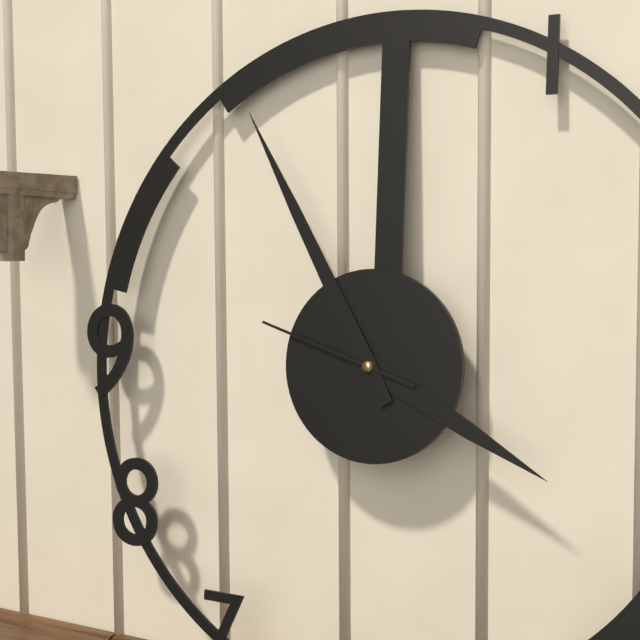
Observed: 3 h 55 min 48 s
